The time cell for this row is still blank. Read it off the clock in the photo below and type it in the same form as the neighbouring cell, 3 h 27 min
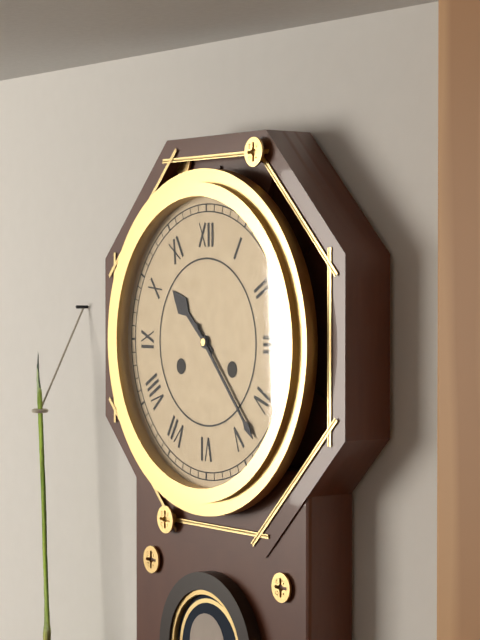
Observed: 10 h 23 min
